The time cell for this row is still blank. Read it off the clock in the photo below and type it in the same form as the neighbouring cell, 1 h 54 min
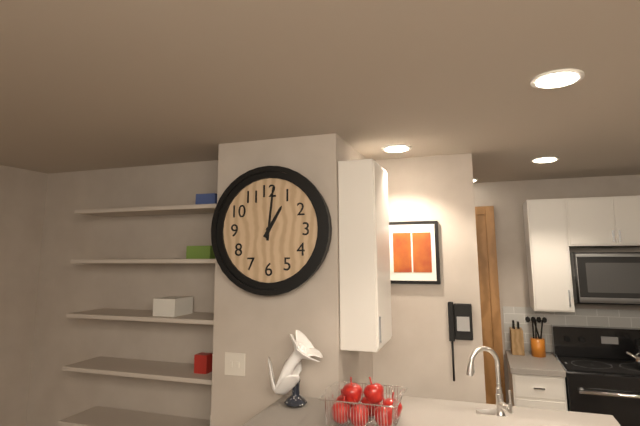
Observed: 1 h 01 min
